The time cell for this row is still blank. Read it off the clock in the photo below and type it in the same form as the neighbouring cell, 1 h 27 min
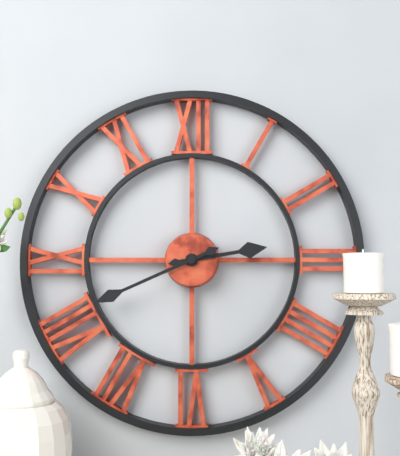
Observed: 2 h 41 min
